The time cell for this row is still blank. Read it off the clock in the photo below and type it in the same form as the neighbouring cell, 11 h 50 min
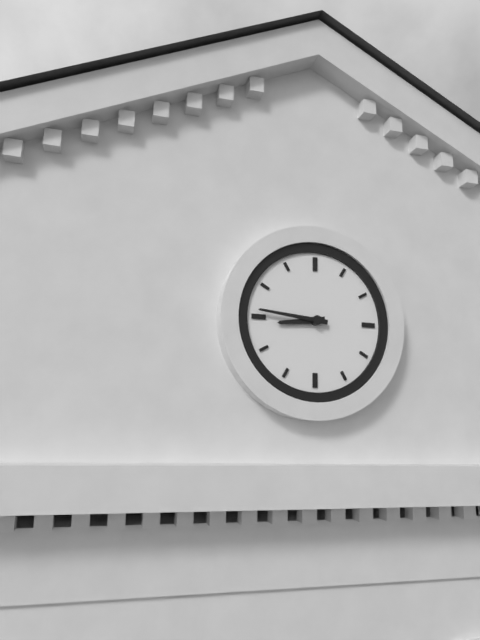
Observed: 8 h 46 min
